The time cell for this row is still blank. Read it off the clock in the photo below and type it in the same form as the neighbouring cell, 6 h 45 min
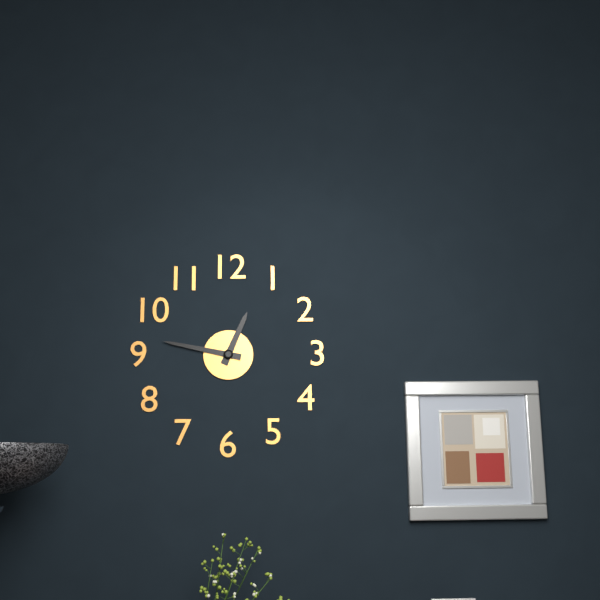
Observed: 12 h 47 min
